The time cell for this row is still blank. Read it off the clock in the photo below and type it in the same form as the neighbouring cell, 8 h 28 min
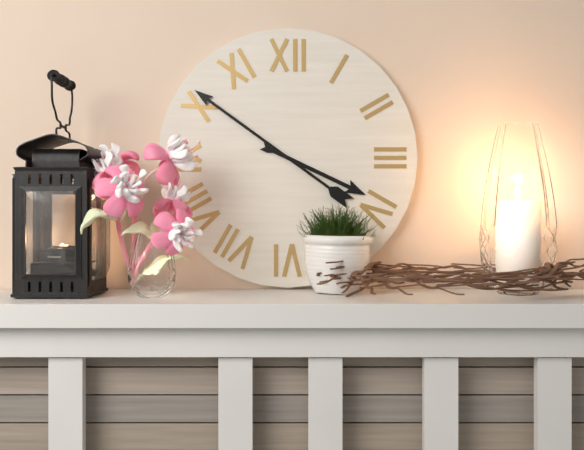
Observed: 3 h 51 min
